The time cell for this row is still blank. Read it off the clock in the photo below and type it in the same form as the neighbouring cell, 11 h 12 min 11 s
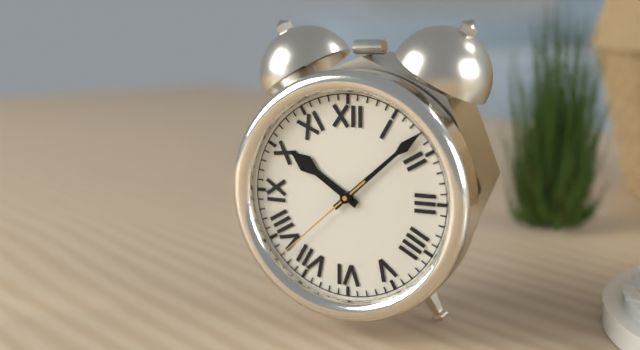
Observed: 10 h 08 min 38 s
